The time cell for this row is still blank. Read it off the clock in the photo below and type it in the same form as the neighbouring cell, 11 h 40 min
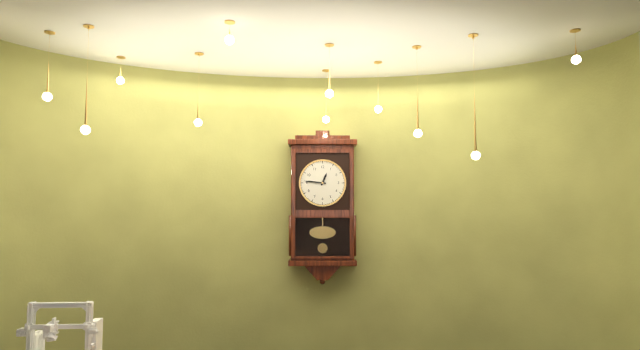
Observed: 12 h 46 min
